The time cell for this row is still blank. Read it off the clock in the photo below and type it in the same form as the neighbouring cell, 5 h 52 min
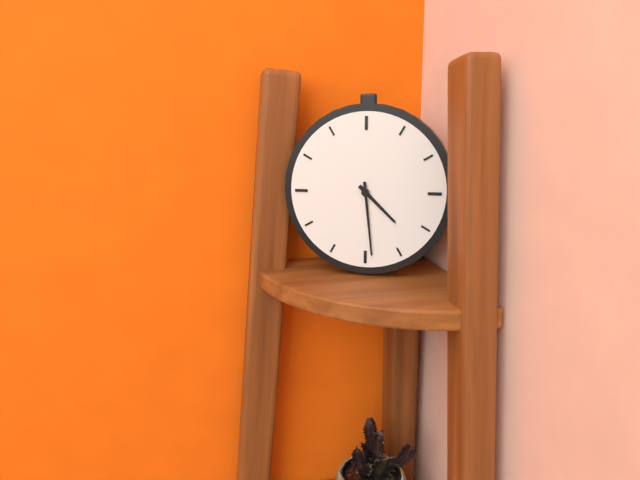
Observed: 4 h 29 min
